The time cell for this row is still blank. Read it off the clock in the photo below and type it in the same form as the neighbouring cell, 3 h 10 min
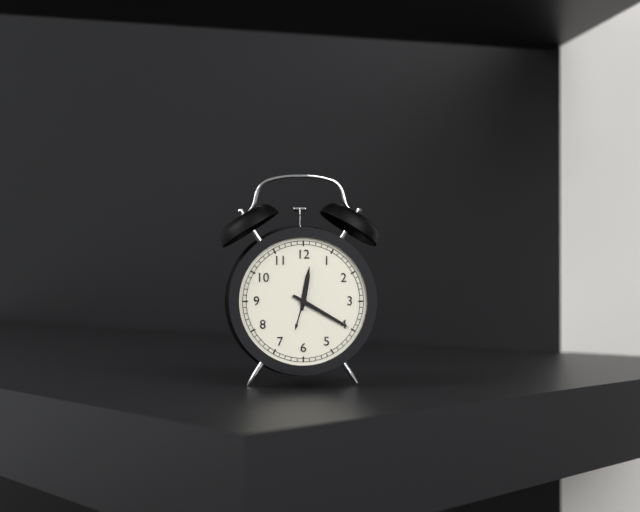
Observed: 12 h 20 min
